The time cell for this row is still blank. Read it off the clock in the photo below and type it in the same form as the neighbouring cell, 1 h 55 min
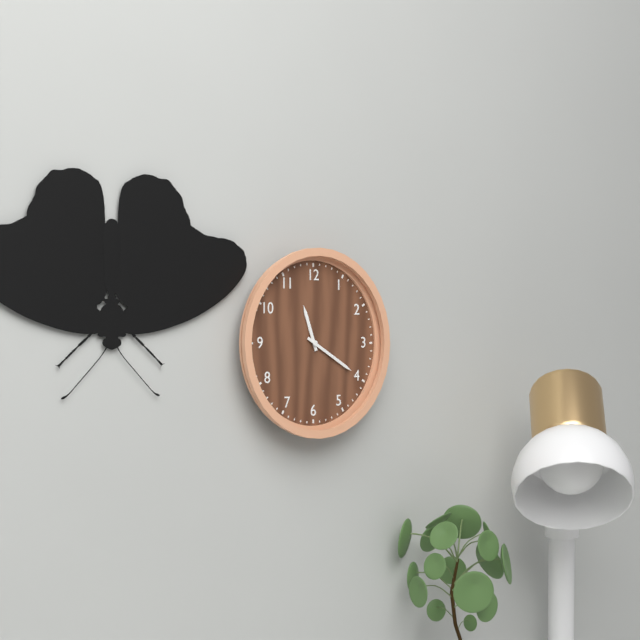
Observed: 11 h 20 min
